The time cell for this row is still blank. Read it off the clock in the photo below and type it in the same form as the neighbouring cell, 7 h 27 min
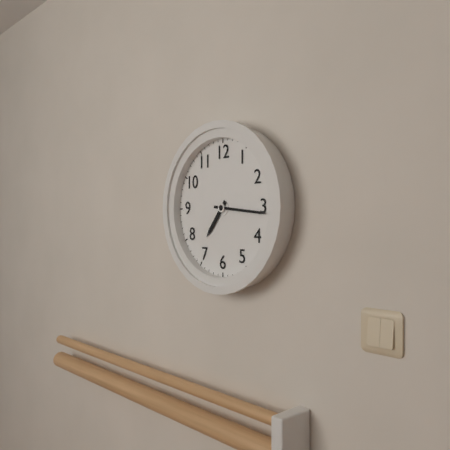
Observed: 7 h 16 min
